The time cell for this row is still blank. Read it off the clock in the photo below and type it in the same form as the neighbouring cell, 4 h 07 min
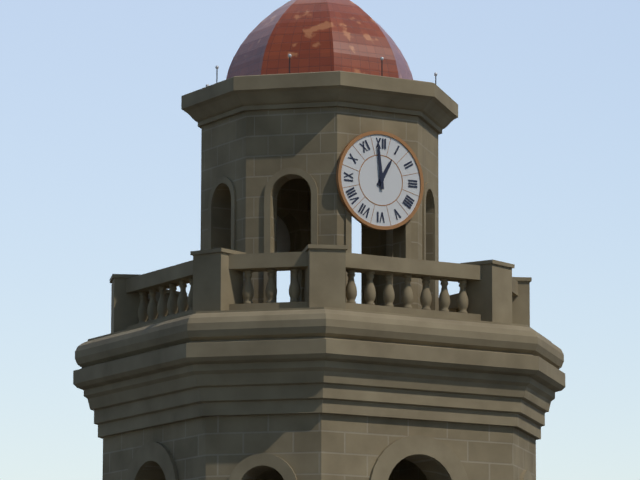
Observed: 12 h 59 min
